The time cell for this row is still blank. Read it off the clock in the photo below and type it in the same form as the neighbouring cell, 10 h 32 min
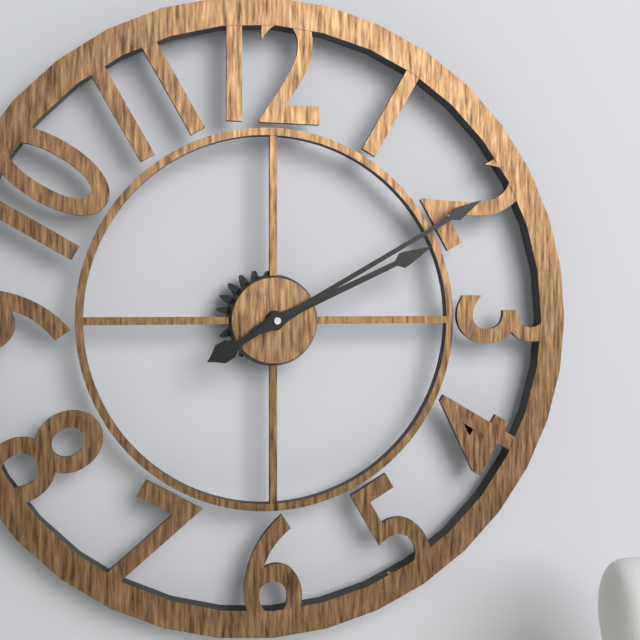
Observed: 2 h 10 min
